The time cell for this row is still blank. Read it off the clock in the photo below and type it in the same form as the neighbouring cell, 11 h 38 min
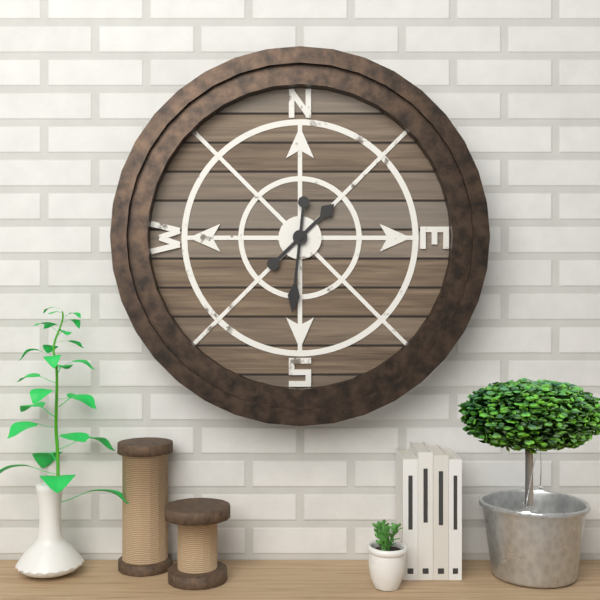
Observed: 1 h 31 min
